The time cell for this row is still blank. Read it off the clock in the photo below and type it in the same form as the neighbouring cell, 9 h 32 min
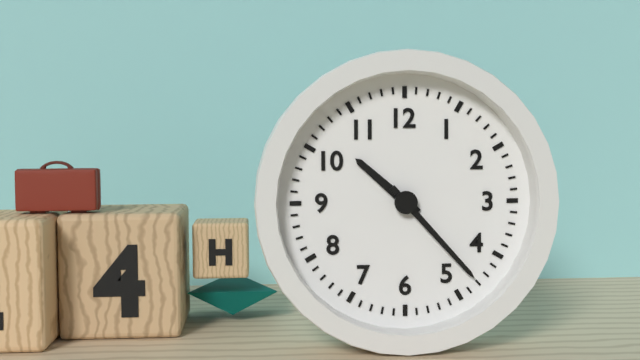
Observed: 10 h 23 min
